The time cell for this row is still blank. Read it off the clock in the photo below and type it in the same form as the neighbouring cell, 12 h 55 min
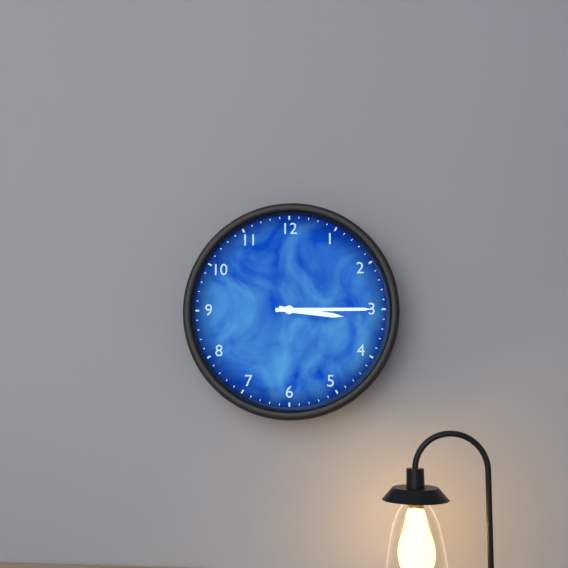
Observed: 3 h 15 min
